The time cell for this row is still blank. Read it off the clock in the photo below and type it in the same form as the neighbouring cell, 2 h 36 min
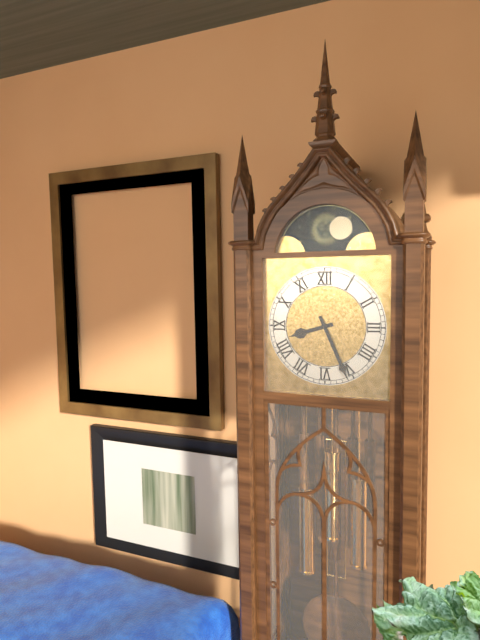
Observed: 8 h 26 min
